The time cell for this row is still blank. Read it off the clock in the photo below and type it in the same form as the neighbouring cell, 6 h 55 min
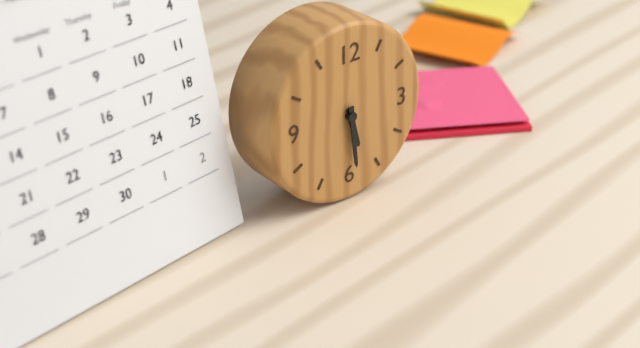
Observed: 5 h 29 min
